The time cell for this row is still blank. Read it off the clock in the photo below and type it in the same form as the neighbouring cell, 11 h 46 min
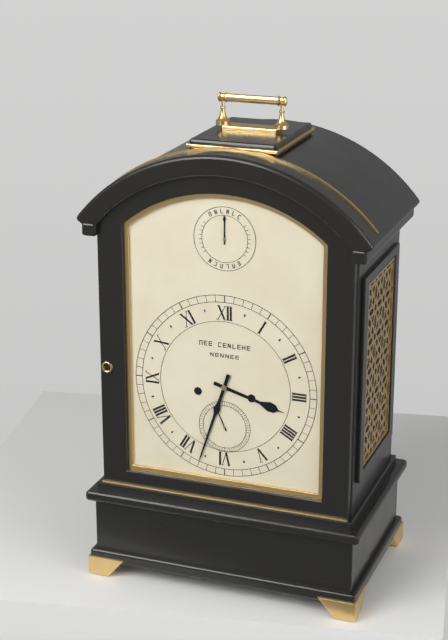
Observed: 3 h 33 min
